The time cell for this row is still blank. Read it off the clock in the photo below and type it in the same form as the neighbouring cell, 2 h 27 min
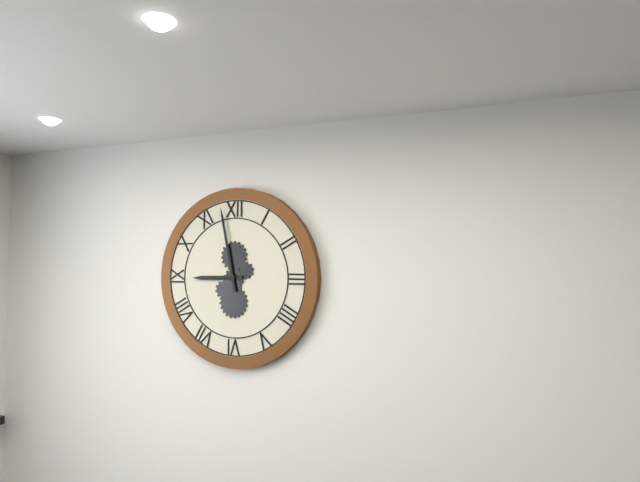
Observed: 8 h 58 min
